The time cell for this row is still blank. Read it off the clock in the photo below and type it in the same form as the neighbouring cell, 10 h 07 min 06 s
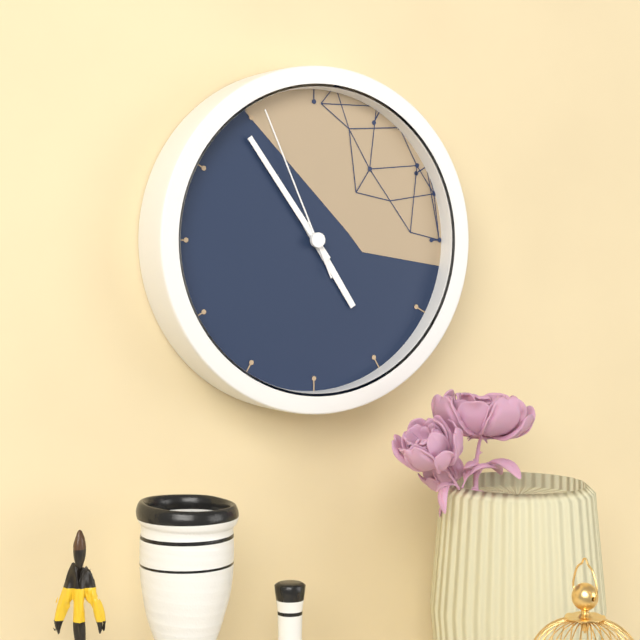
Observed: 4 h 54 min 56 s
